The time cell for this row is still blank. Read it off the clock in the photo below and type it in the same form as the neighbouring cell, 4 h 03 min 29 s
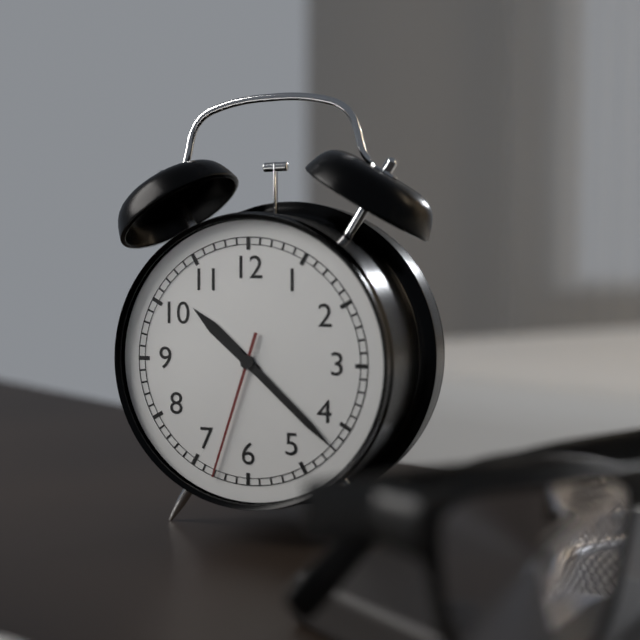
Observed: 10 h 22 min 33 s
